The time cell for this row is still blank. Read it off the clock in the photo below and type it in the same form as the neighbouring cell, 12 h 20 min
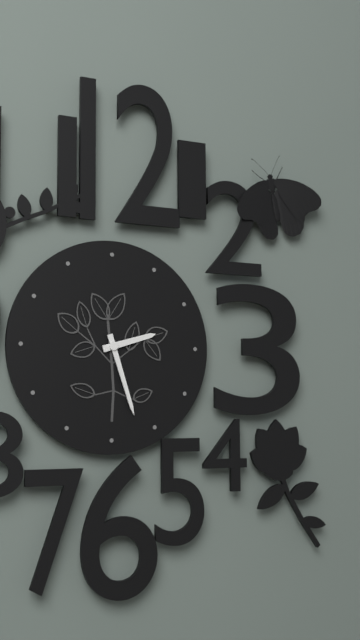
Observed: 2 h 27 min
